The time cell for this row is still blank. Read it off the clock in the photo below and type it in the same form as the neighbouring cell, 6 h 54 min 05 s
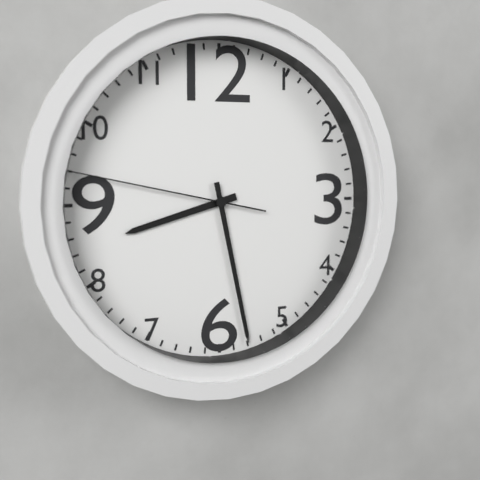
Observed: 8 h 28 min 47 s
